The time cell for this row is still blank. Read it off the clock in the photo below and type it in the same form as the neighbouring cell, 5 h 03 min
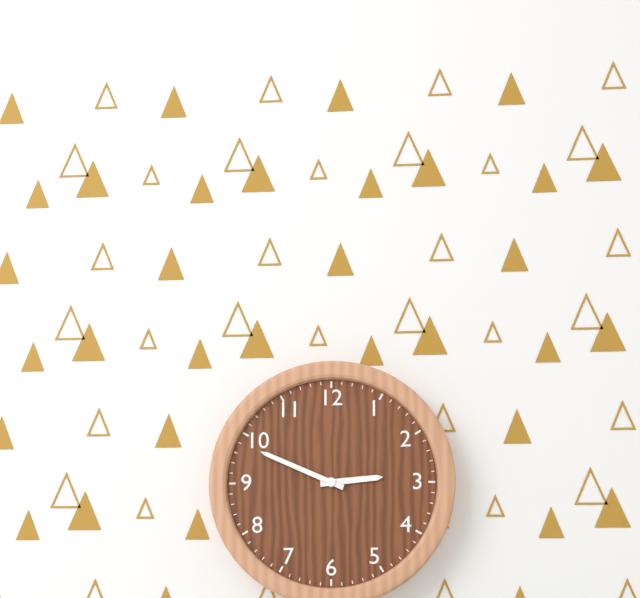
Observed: 2 h 49 min
